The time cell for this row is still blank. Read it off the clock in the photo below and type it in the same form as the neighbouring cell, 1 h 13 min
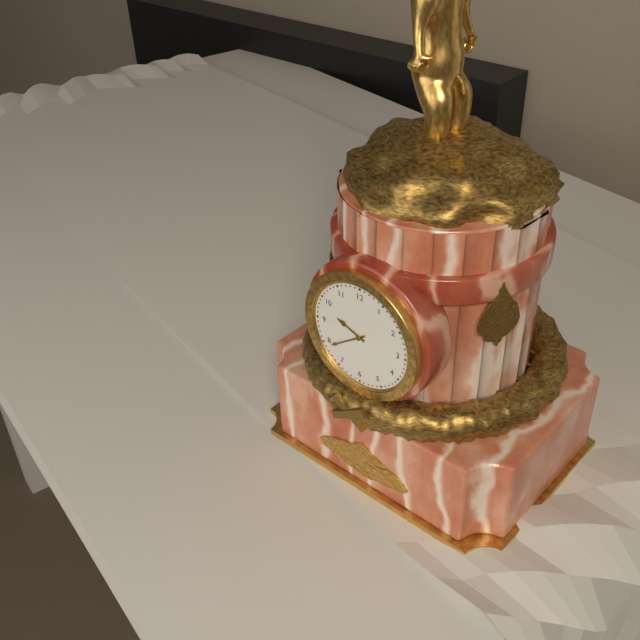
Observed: 9 h 39 min
